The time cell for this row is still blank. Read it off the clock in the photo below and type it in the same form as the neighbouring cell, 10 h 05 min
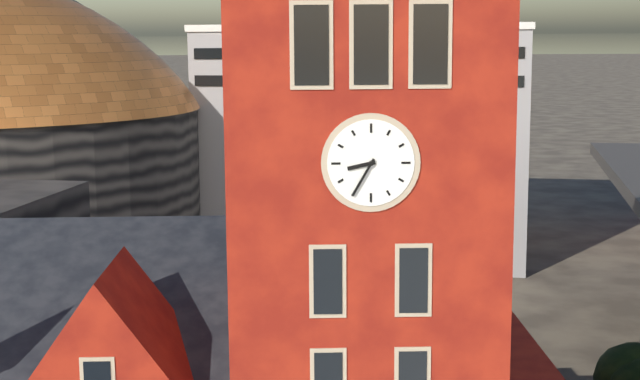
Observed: 8 h 35 min
